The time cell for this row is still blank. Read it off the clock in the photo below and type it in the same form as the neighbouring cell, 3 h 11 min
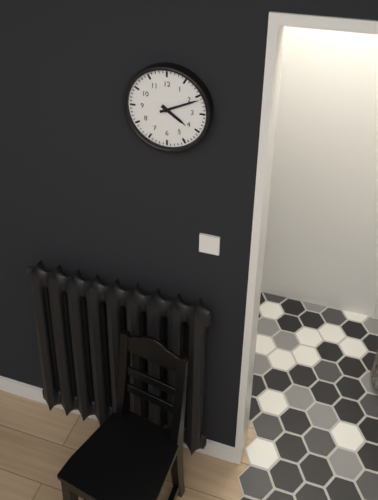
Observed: 4 h 11 min
